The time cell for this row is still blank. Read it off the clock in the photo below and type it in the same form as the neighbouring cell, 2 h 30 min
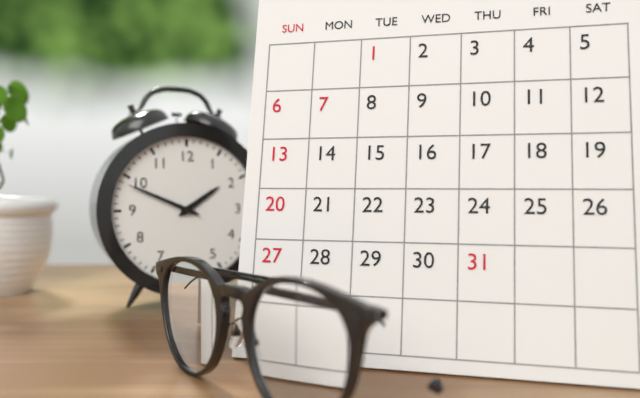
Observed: 1 h 49 min
